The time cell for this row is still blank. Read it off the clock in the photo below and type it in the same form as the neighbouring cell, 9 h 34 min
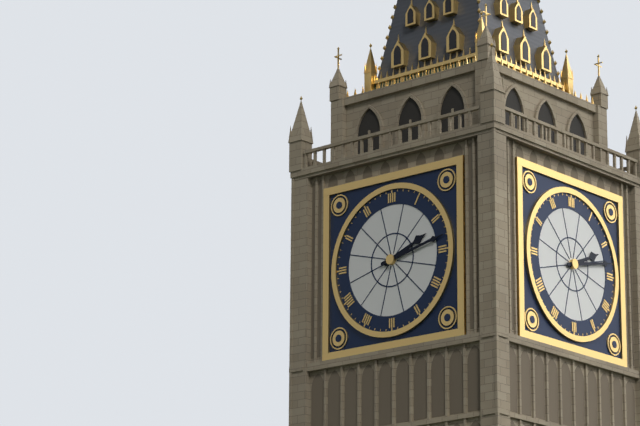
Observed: 2 h 13 min
